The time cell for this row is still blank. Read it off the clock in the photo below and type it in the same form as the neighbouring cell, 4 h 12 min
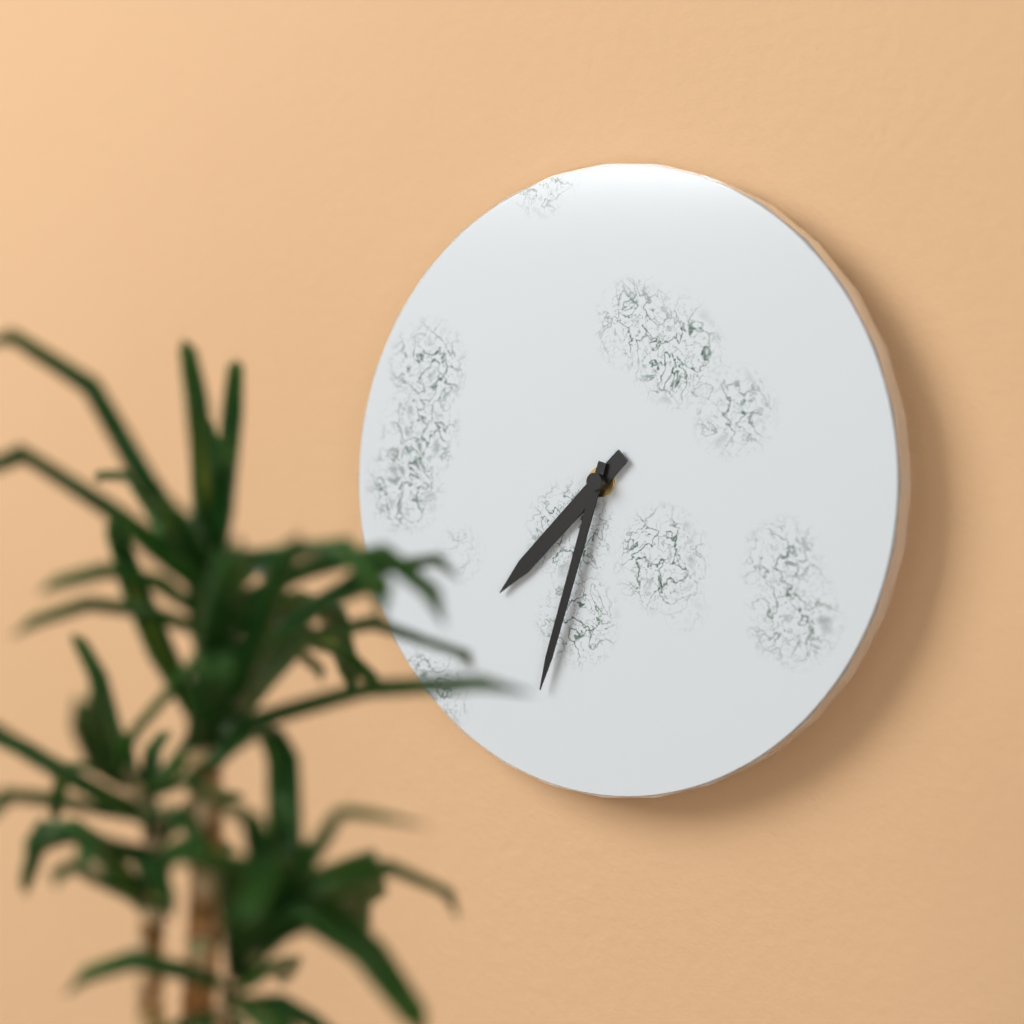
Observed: 7 h 33 min
